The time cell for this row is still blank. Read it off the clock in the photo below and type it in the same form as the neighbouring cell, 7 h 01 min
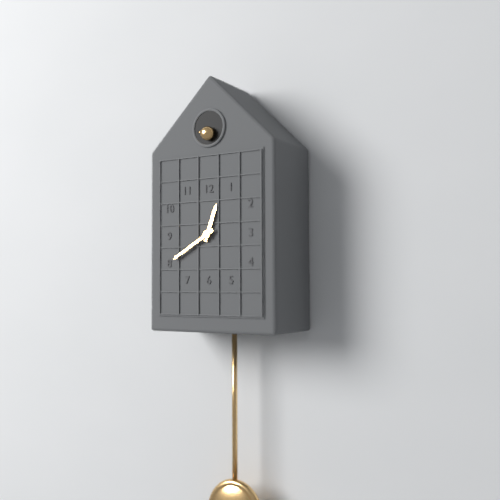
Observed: 12 h 40 min
